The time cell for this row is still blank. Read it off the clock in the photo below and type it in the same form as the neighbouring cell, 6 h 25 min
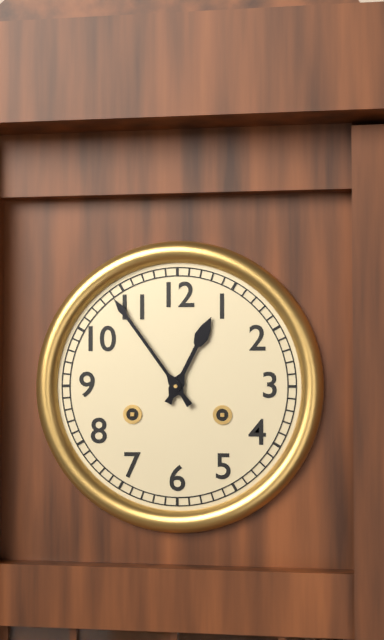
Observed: 12 h 54 min
